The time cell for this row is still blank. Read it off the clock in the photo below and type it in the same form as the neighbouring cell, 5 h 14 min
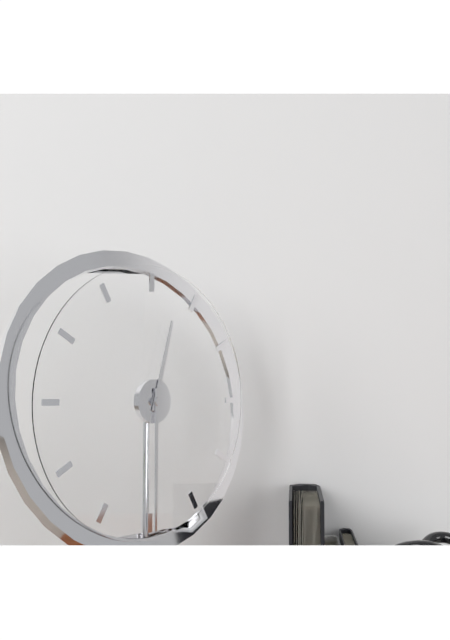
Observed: 12 h 30 min
